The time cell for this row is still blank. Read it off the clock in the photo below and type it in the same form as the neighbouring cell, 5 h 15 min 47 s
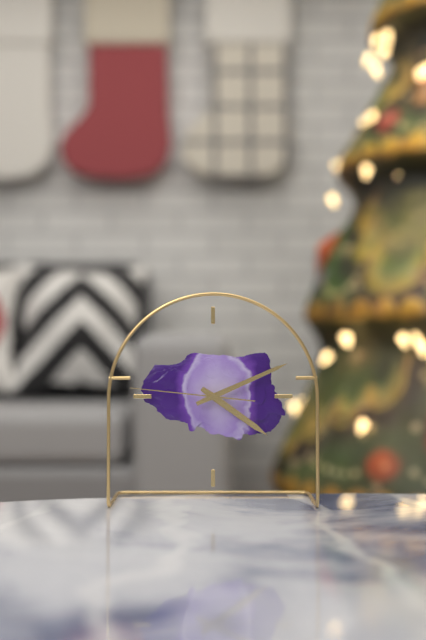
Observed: 4 h 11 min 46 s
